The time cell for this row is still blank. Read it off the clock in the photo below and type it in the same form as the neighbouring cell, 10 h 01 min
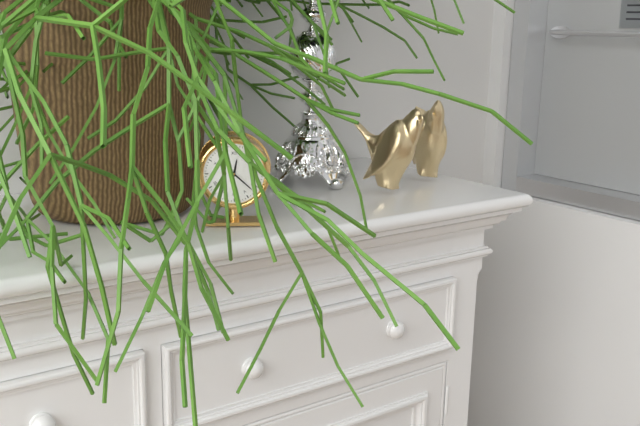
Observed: 12 h 22 min
